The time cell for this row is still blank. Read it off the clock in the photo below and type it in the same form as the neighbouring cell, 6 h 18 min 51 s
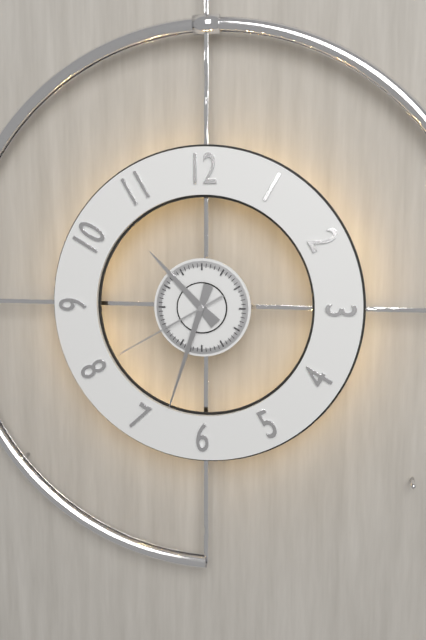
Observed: 10 h 33 min 40 s
